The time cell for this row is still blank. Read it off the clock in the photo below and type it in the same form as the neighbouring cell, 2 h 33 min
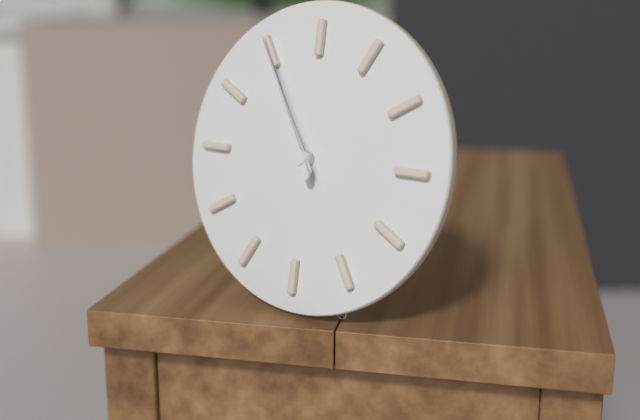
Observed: 10 h 55 min
